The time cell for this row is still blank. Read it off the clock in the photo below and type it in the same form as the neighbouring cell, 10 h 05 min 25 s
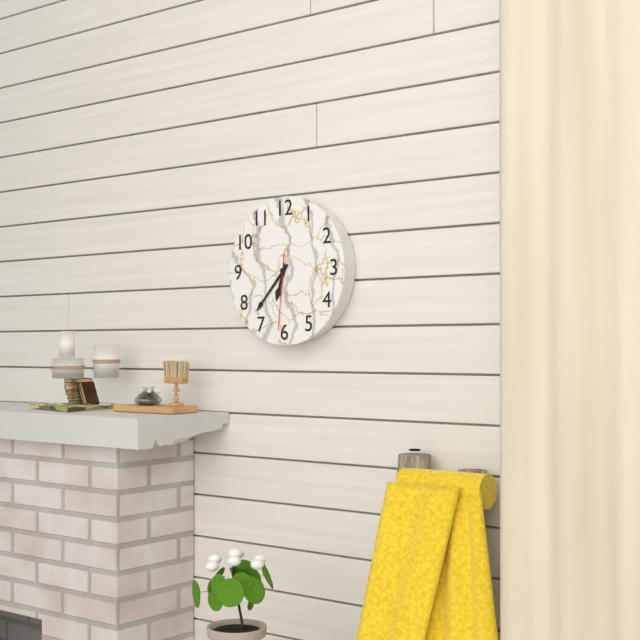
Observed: 6 h 37 min 31 s
